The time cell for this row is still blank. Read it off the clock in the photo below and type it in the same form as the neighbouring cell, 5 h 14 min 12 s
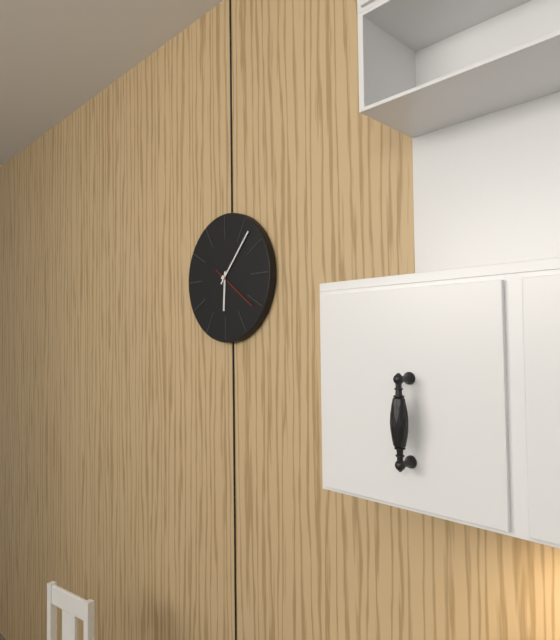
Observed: 6 h 07 min 21 s
